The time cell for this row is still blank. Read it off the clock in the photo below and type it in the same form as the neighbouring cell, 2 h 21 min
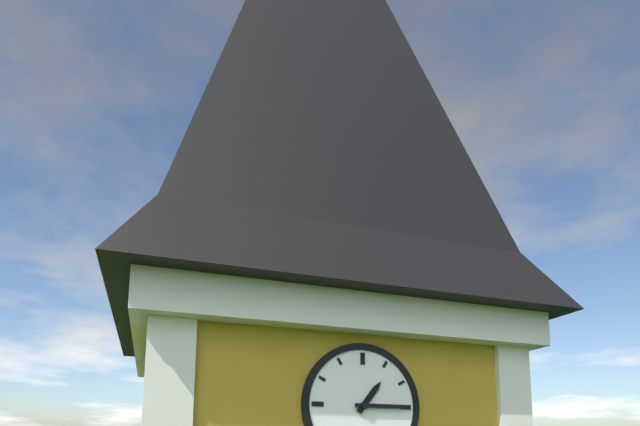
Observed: 1 h 15 min
